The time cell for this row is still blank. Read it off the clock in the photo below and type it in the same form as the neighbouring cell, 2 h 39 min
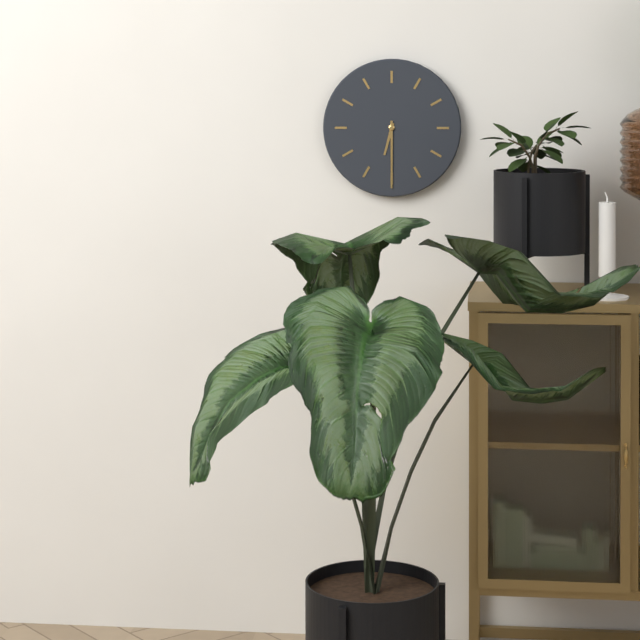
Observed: 6 h 30 min
